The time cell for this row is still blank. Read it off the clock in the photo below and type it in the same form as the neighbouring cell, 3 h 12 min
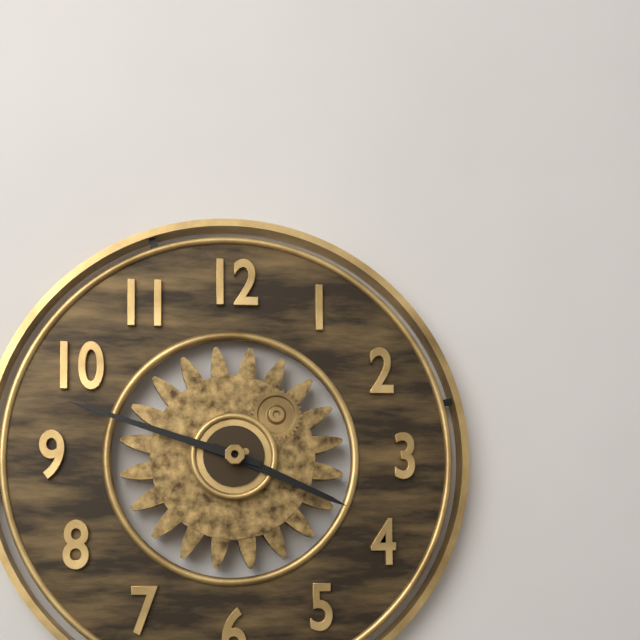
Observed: 3 h 48 min
